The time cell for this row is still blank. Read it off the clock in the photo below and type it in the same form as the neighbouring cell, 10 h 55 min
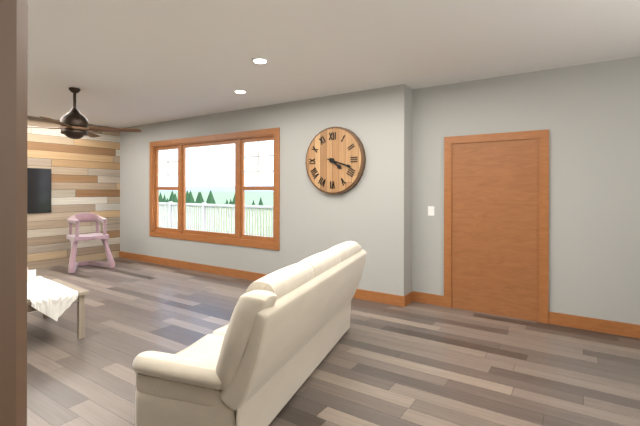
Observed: 4 h 18 min
